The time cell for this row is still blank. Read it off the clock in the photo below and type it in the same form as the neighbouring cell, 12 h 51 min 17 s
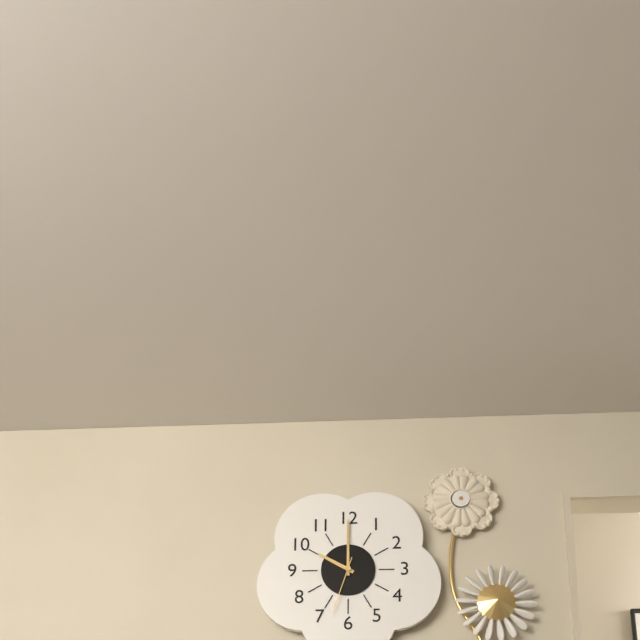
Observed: 10 h 00 min 33 s
